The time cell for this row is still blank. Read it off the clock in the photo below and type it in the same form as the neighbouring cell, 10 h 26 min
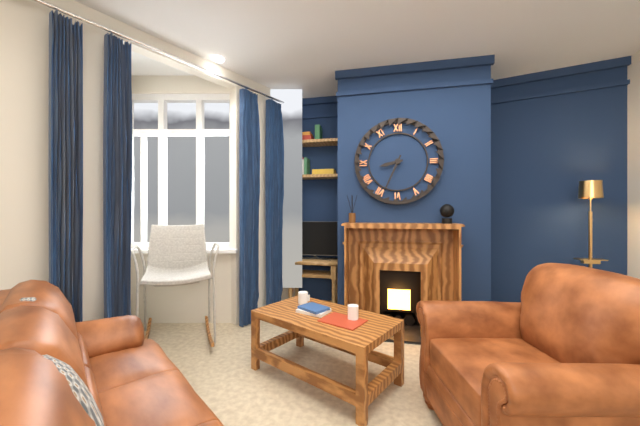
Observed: 8 h 34 min
